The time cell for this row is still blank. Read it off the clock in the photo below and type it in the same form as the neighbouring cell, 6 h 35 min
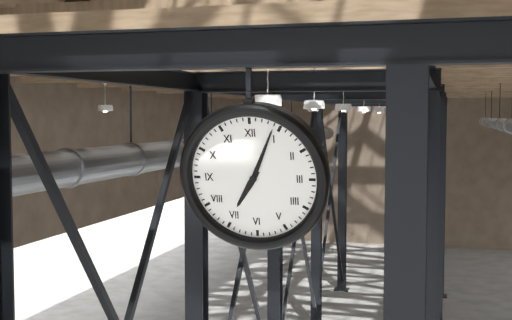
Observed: 7 h 04 min
